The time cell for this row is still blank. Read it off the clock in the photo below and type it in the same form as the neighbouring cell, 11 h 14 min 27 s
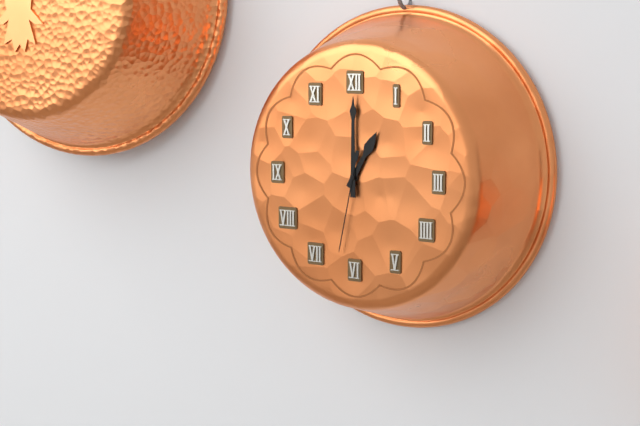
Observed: 1 h 00 min 32 s
